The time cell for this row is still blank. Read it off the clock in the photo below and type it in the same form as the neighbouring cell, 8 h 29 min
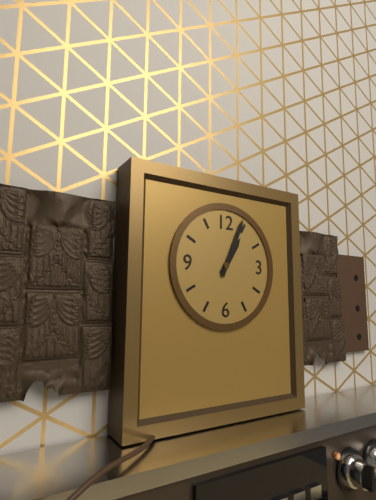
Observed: 1 h 04 min
